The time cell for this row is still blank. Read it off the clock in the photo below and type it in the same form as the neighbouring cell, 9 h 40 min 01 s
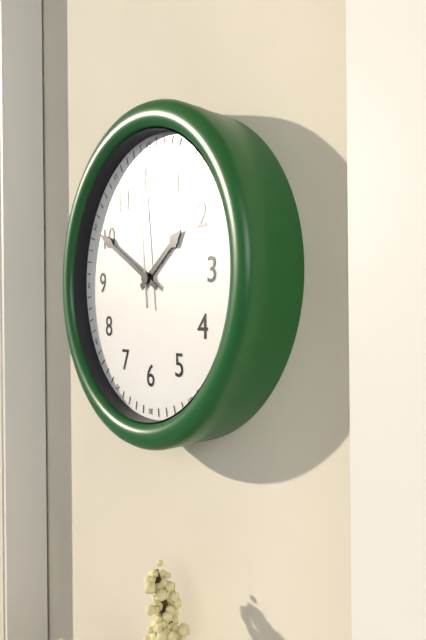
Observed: 1 h 50 min 59 s
